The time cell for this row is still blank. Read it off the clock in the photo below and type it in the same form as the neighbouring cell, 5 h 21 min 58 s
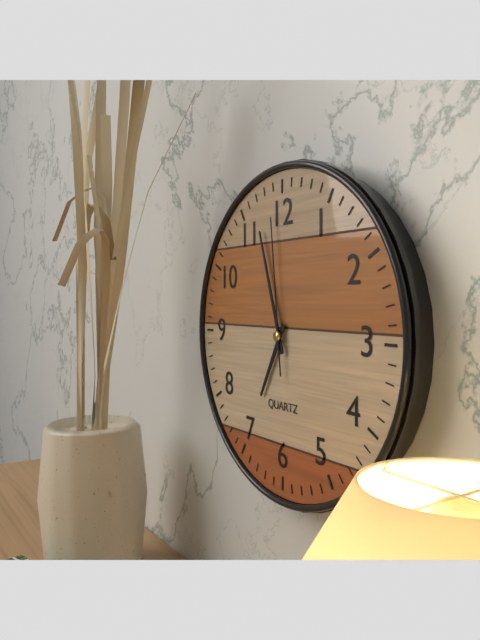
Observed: 6 h 57 min 59 s
